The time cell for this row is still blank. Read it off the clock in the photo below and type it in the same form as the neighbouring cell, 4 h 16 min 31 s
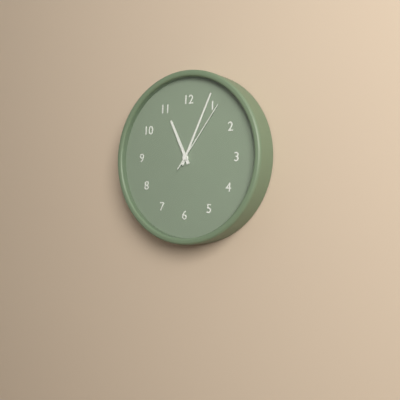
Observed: 11 h 04 min 06 s
